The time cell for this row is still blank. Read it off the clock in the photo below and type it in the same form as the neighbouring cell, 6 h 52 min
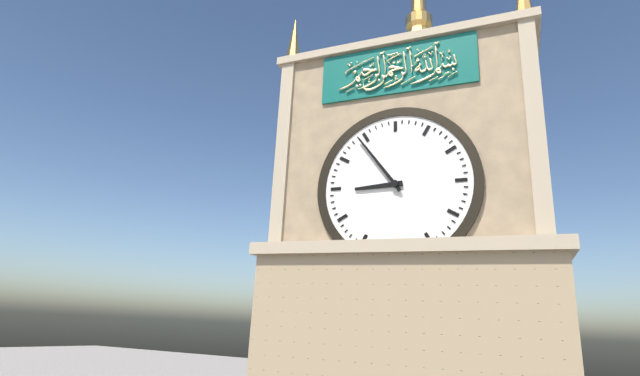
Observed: 8 h 54 min
